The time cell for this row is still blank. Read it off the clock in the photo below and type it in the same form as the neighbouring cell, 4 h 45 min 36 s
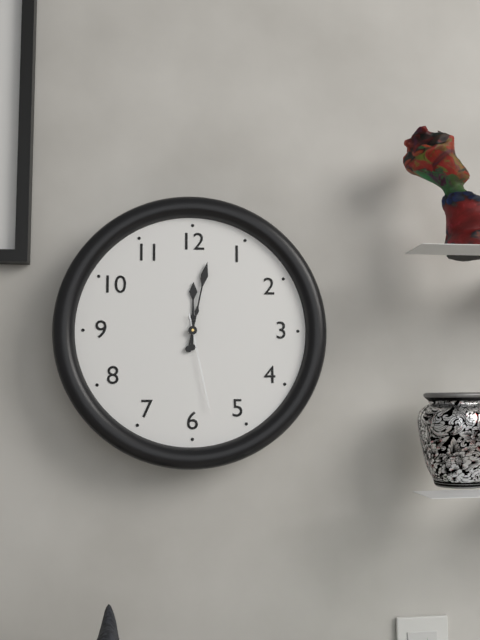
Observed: 12 h 02 min 28 s
